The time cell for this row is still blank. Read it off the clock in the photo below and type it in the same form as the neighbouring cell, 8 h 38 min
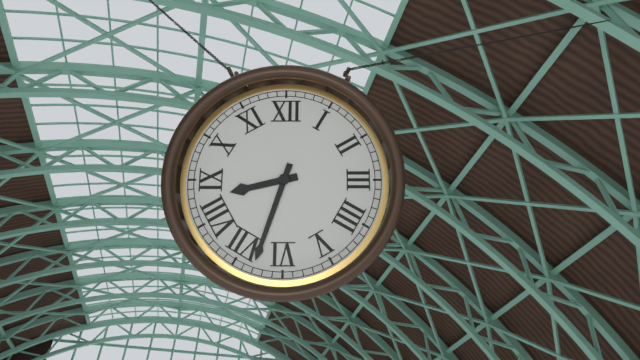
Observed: 8 h 33 min
